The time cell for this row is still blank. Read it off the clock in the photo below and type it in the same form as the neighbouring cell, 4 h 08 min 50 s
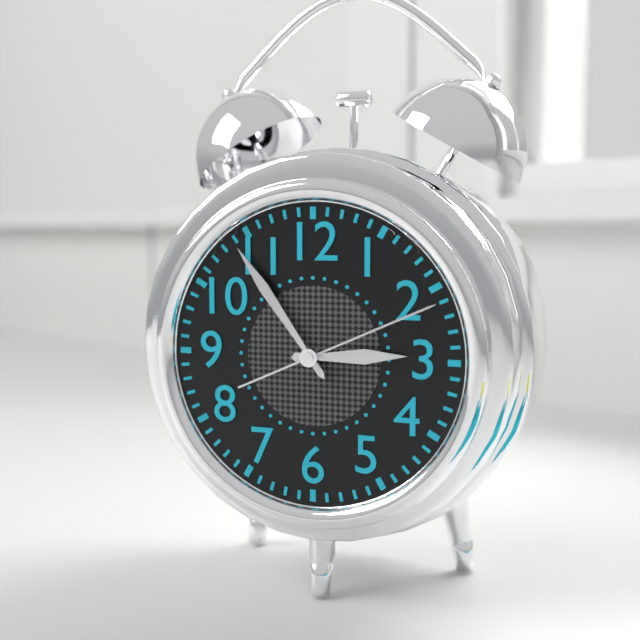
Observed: 2 h 54 min 11 s
